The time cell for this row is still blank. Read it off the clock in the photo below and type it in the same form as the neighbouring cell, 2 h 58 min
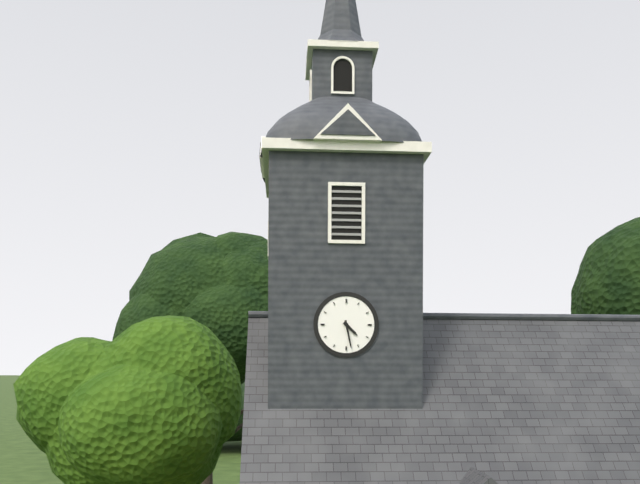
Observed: 4 h 28 min
